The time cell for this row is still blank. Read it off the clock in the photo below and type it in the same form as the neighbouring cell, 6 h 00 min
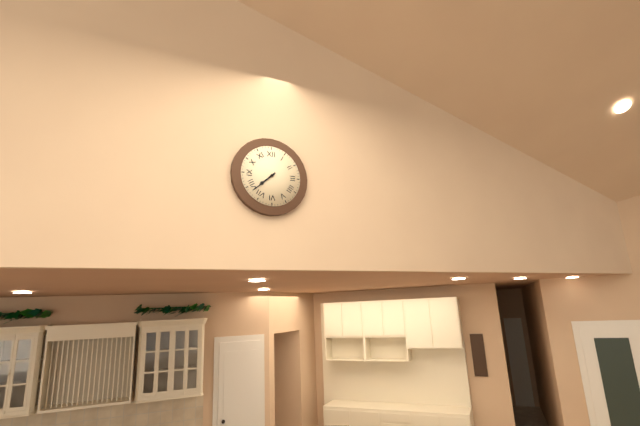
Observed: 7 h 38 min
